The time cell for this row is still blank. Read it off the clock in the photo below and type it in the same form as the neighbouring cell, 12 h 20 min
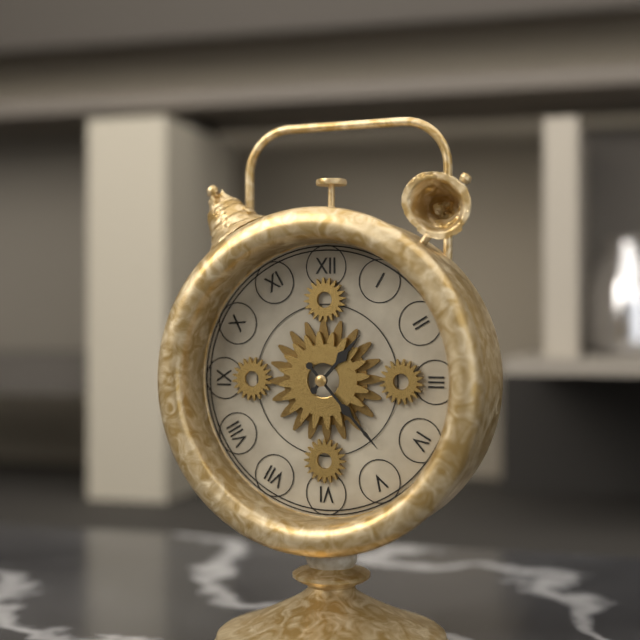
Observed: 1 h 23 min
